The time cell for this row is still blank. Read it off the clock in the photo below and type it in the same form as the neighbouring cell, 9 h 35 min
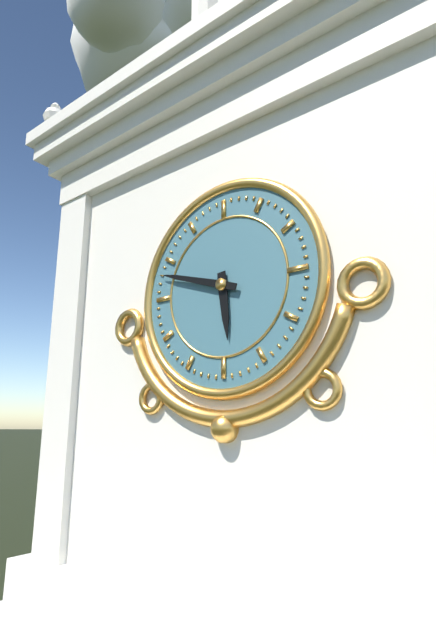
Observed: 5 h 48 min
